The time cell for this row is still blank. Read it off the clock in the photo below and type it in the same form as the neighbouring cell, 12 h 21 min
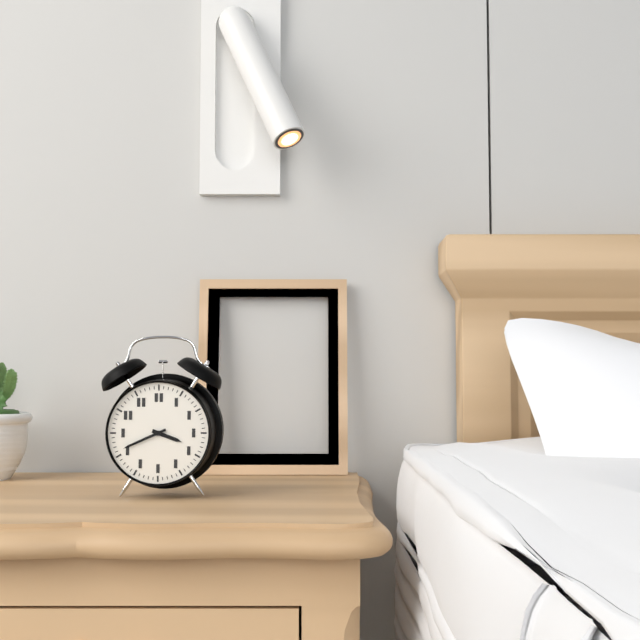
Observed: 3 h 41 min
